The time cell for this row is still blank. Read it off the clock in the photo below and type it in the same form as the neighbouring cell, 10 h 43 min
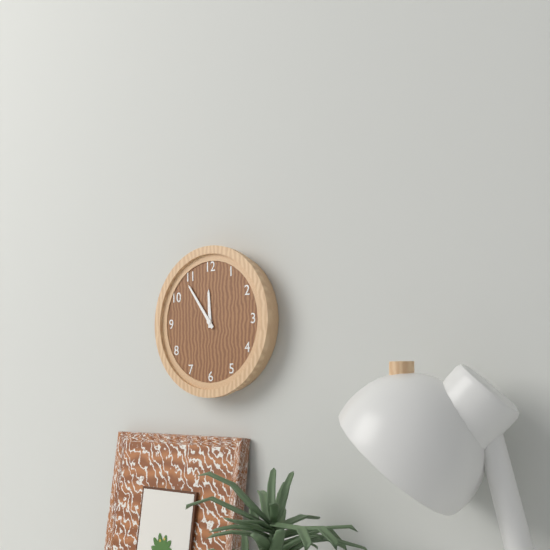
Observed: 11 h 54 min
